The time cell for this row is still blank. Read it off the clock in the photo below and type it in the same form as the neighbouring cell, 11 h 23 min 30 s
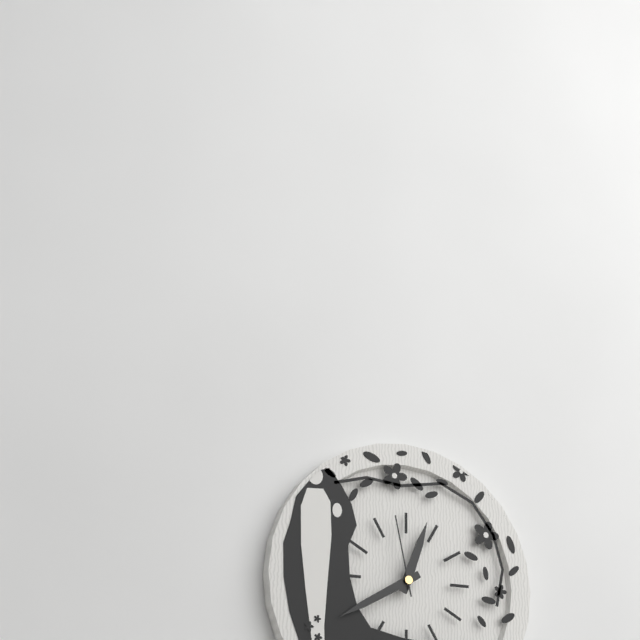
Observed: 12 h 40 min 58 s
